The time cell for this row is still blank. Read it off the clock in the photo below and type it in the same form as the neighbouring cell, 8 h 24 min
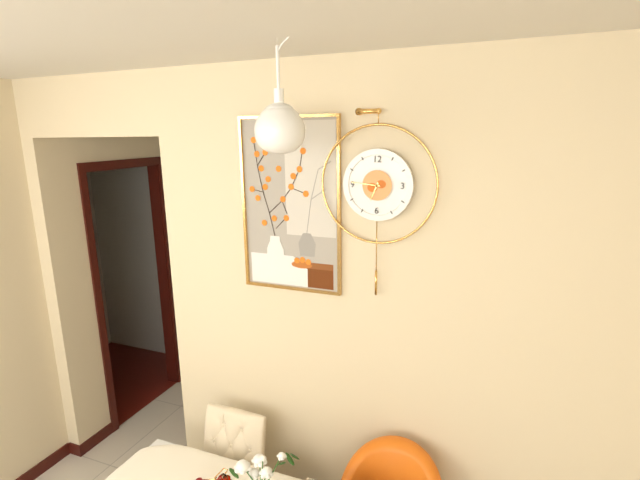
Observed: 6 h 46 min
